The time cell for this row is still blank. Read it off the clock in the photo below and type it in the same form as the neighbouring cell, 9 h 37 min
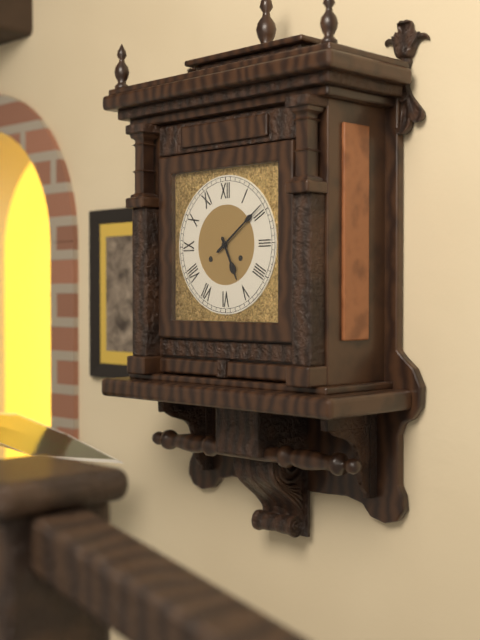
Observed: 5 h 09 min
